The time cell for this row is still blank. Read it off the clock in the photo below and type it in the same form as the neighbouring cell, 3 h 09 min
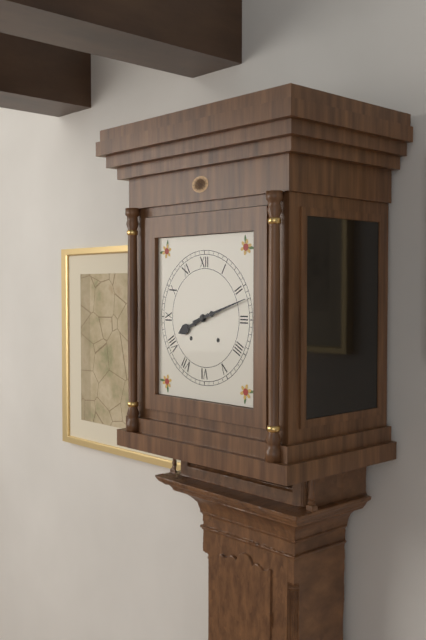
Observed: 8 h 12 min
